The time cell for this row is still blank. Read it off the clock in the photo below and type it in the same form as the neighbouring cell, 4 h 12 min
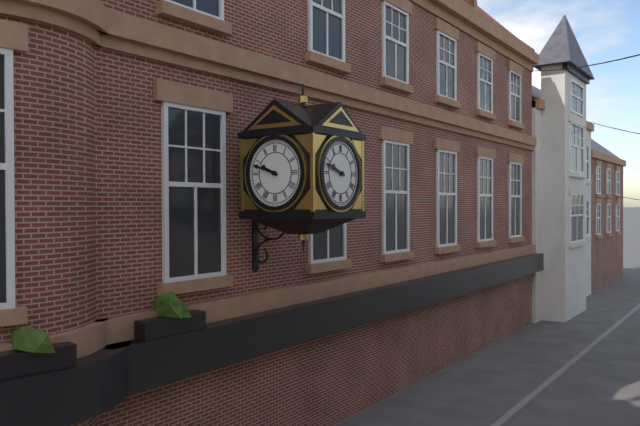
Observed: 9 h 48 min
